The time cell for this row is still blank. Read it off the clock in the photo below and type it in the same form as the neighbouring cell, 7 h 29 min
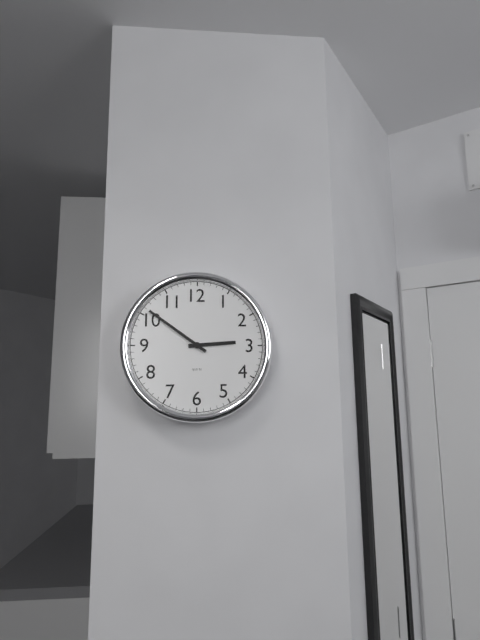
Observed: 2 h 51 min
